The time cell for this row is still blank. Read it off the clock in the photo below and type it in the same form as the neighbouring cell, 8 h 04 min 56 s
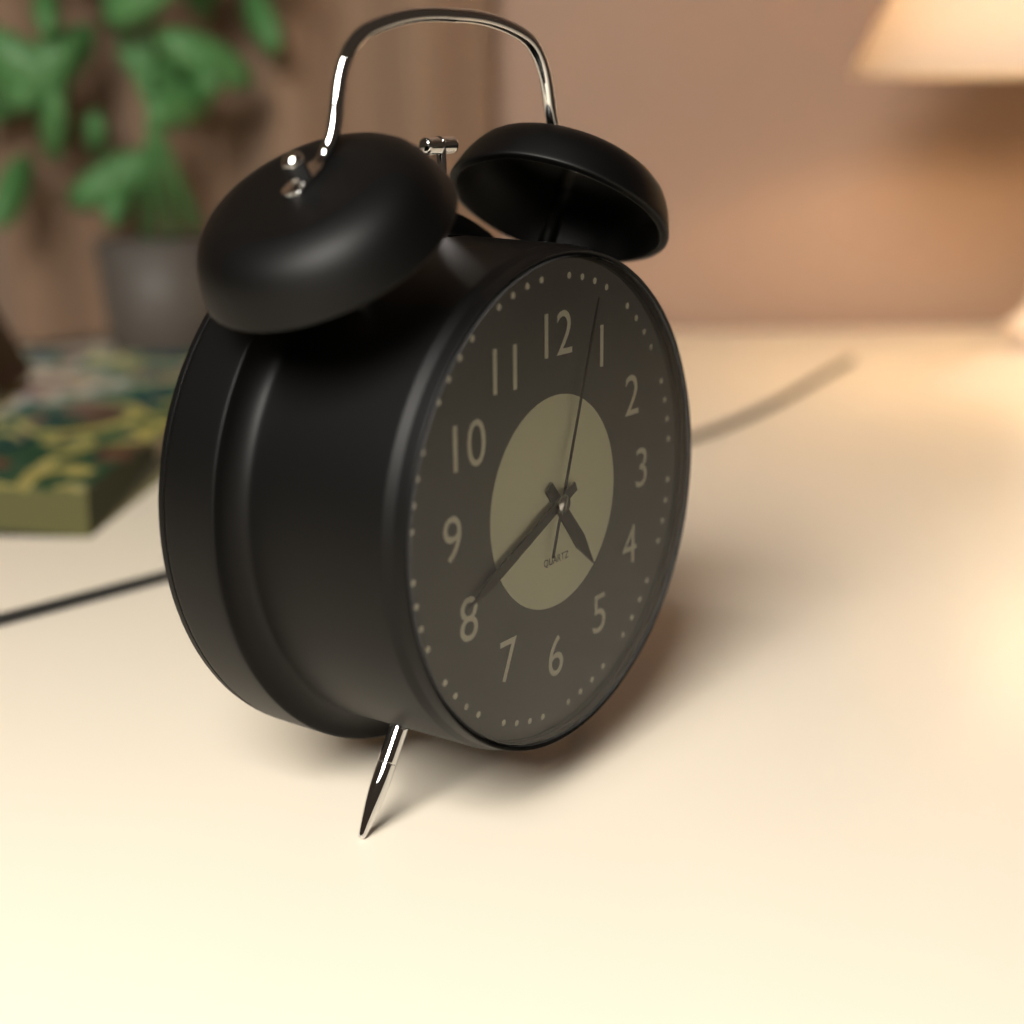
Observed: 4 h 41 min 03 s
